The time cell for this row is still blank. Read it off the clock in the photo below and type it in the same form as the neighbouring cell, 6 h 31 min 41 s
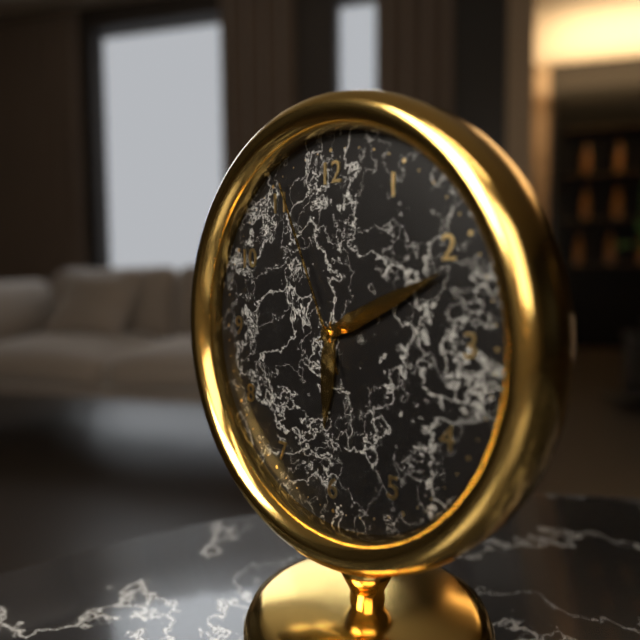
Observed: 6 h 11 min 56 s
